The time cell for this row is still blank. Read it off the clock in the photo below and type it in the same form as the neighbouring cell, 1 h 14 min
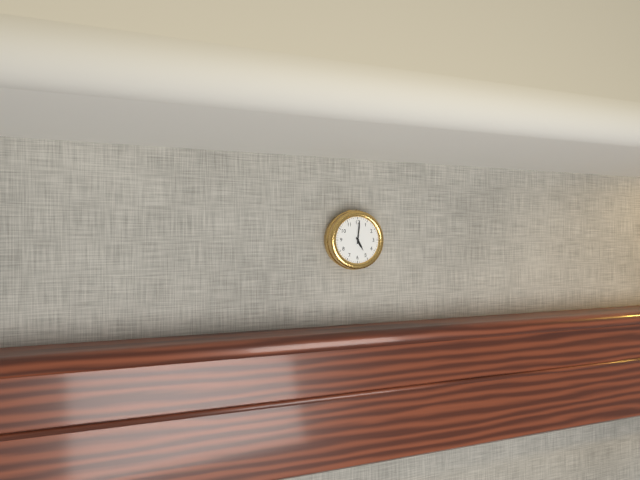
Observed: 5 h 01 min
